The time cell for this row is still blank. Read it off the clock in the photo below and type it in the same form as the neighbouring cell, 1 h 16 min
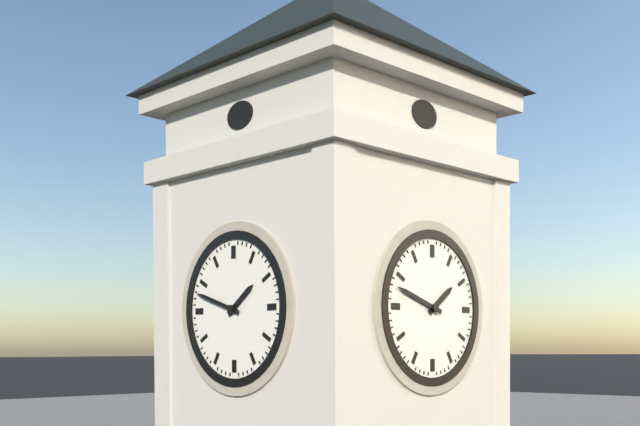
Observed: 1 h 48 min
